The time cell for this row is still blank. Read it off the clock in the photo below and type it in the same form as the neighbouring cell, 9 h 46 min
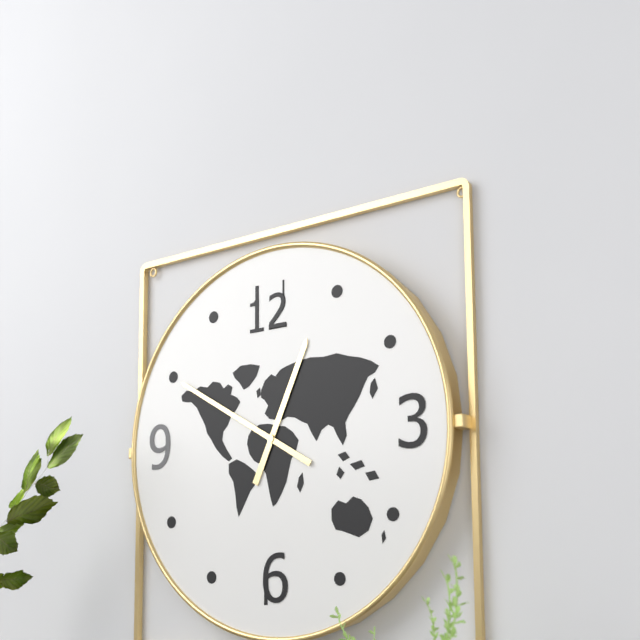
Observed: 12 h 50 min
